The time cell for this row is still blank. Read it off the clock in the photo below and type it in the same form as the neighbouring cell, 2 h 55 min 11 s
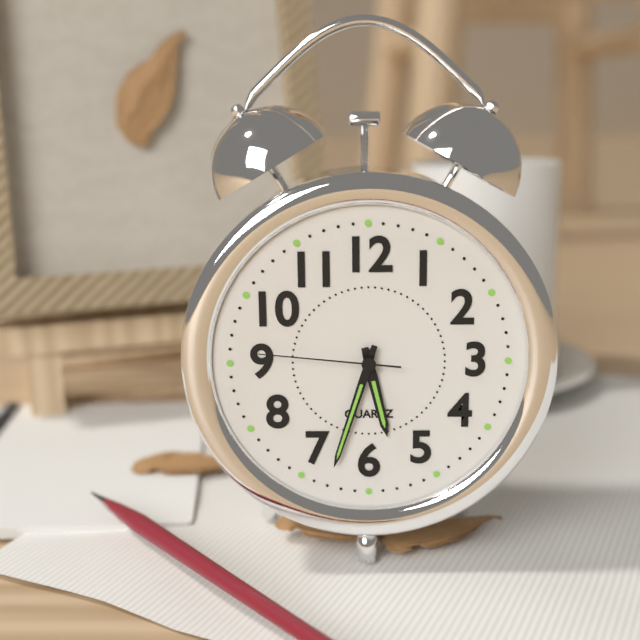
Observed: 5 h 33 min 46 s
